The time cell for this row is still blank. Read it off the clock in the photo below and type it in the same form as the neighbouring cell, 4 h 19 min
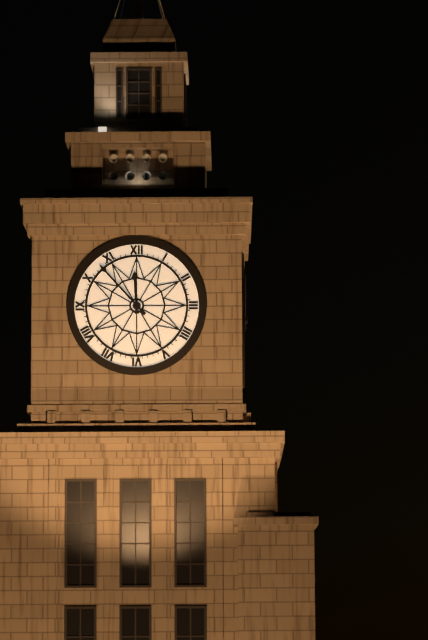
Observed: 11 h 53 min
